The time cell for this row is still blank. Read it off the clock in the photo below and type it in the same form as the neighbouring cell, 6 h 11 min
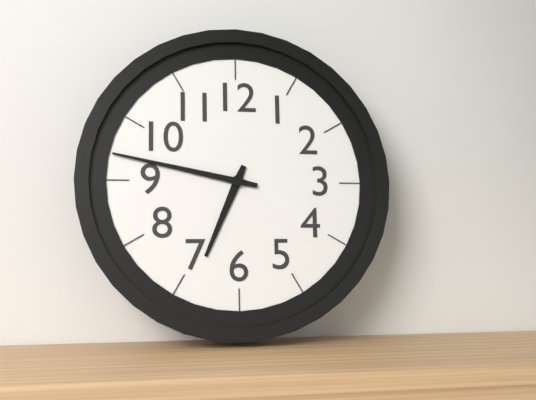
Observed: 6 h 47 min
